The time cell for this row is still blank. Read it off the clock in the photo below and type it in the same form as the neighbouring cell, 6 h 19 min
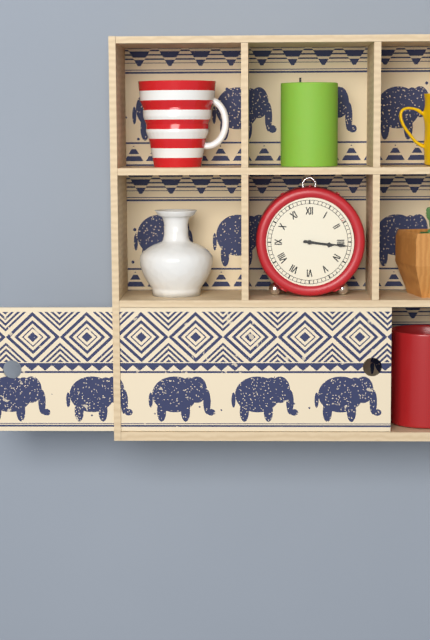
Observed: 3 h 16 min
